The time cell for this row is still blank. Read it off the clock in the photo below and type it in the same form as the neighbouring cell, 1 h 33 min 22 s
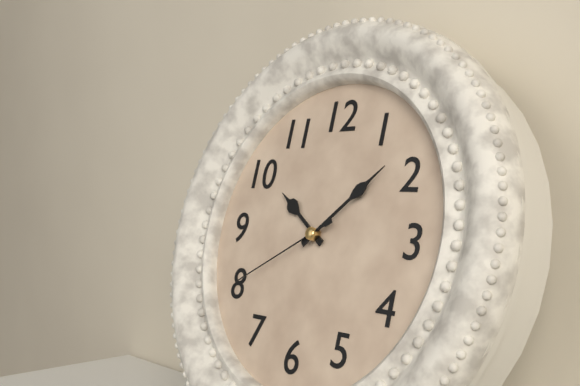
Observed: 10 h 08 min 40 s
